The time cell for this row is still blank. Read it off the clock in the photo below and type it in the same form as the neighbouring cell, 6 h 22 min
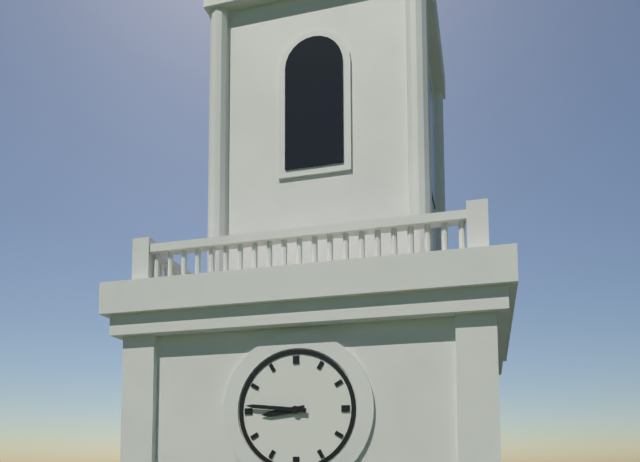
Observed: 8 h 46 min
